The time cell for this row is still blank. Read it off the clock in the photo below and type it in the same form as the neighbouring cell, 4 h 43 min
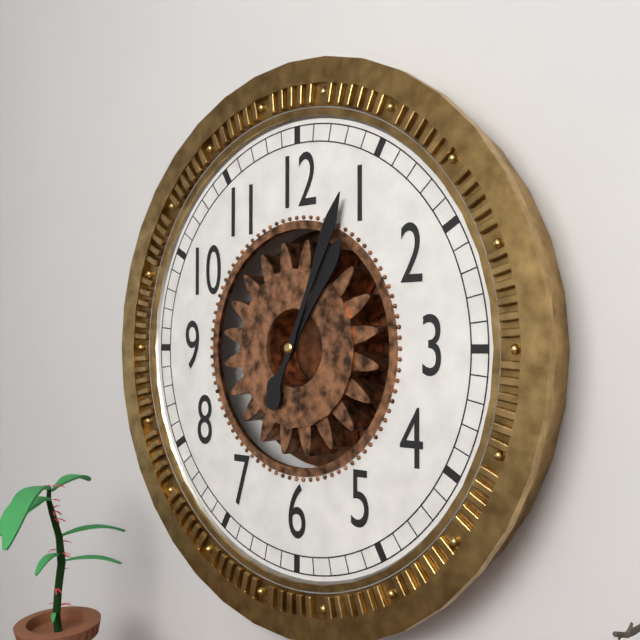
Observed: 1 h 04 min
